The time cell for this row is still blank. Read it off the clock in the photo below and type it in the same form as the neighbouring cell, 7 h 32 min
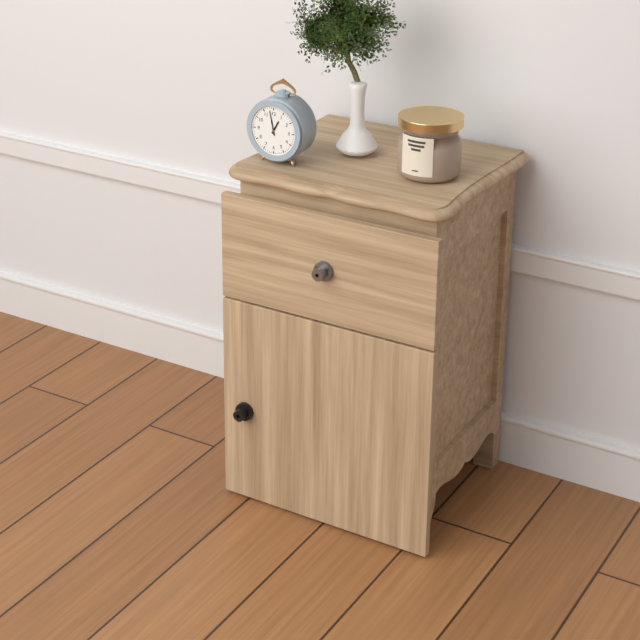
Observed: 12 h 58 min
